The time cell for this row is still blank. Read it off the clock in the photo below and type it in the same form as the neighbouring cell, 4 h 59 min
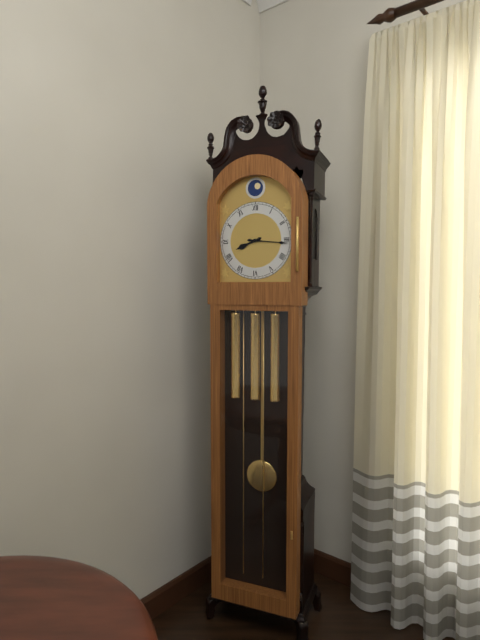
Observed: 8 h 16 min
